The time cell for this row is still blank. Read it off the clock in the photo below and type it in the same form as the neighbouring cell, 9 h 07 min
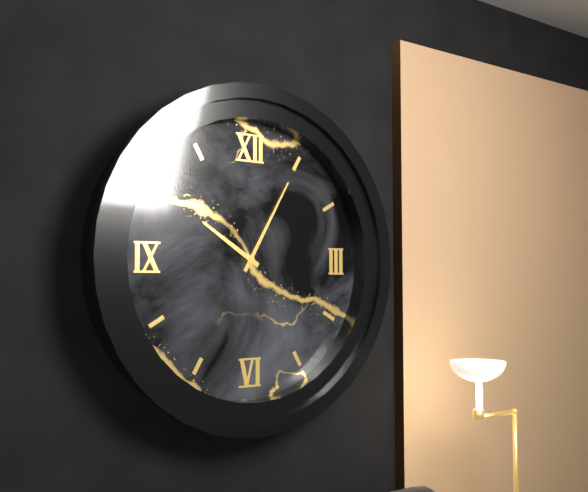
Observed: 10 h 05 min
